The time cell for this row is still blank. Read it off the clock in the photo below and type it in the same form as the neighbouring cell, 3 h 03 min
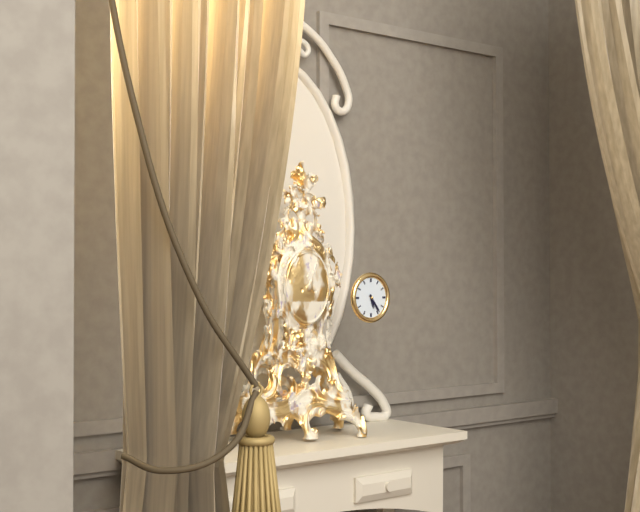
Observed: 5 h 24 min
